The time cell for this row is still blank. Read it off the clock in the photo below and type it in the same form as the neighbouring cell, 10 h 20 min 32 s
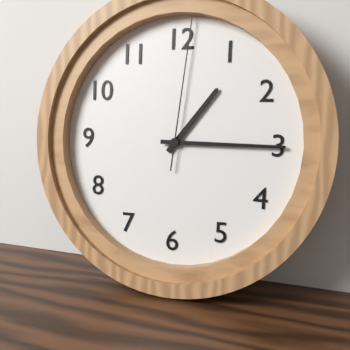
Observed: 1 h 15 min 01 s
